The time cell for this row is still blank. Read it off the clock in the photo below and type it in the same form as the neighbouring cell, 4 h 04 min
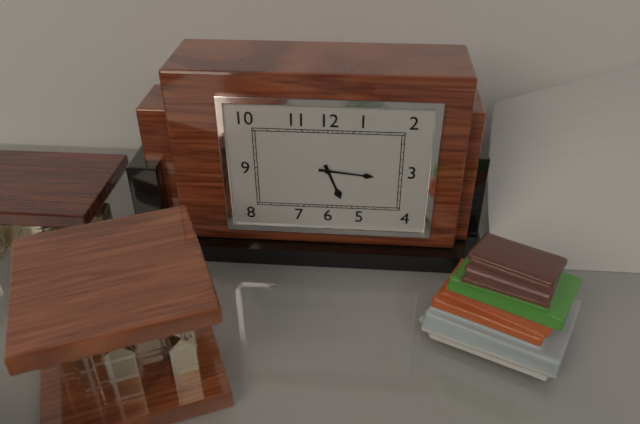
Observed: 5 h 16 min
